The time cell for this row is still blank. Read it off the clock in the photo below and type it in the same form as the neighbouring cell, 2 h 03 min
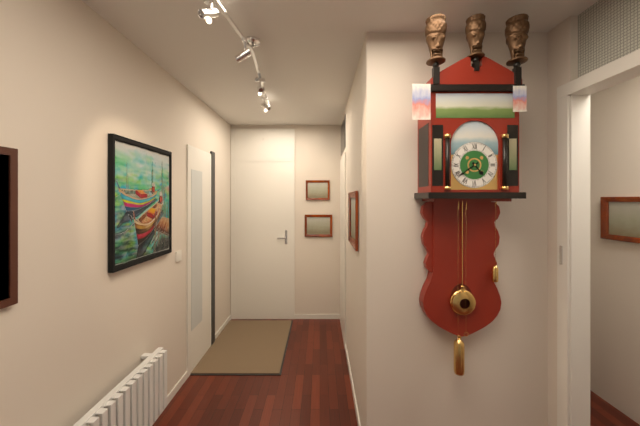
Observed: 4 h 39 min
